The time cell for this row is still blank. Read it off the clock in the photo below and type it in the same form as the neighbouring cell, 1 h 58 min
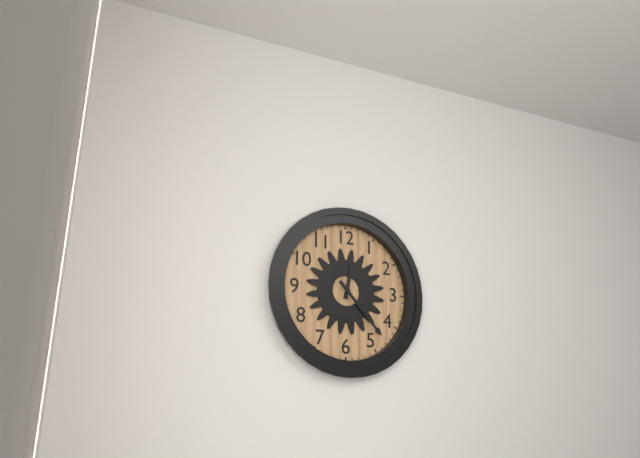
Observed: 12 h 23 min
